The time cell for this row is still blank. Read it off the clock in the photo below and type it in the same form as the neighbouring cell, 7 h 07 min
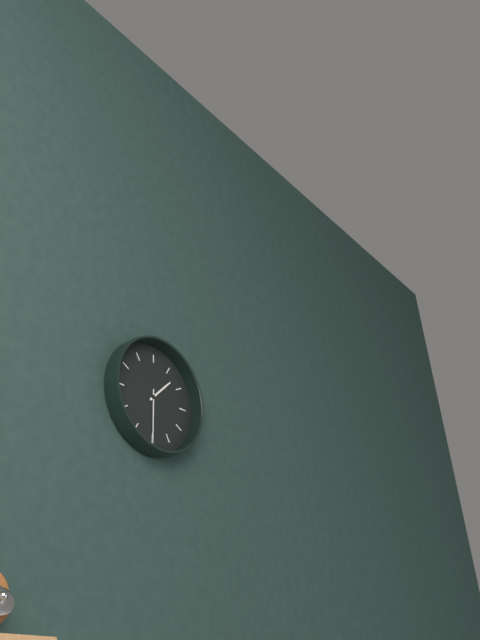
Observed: 1 h 30 min
